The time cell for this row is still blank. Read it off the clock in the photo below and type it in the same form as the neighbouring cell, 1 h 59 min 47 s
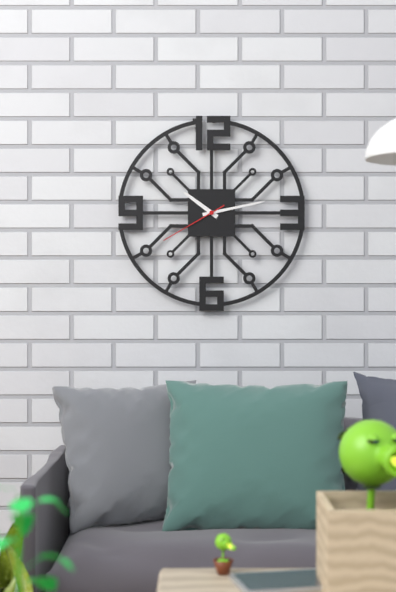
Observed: 10 h 13 min 40 s
